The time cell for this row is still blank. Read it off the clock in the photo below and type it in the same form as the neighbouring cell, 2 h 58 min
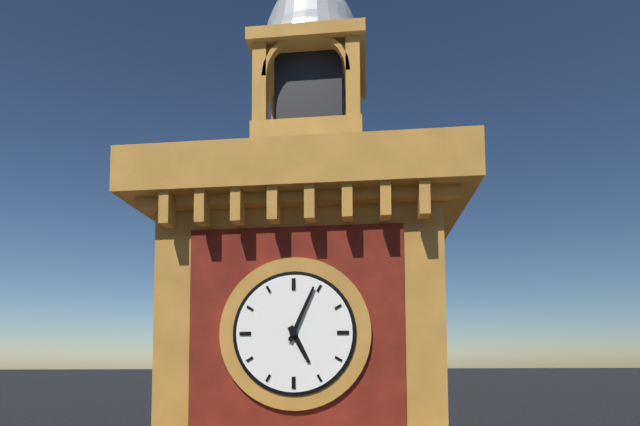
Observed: 5 h 04 min
